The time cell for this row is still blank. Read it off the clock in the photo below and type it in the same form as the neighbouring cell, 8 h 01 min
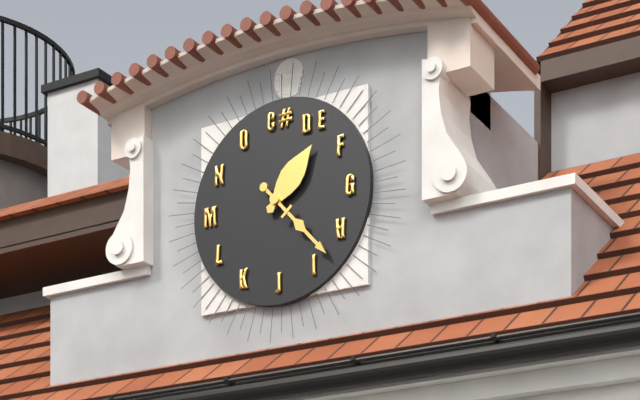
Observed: 1 h 23 min
